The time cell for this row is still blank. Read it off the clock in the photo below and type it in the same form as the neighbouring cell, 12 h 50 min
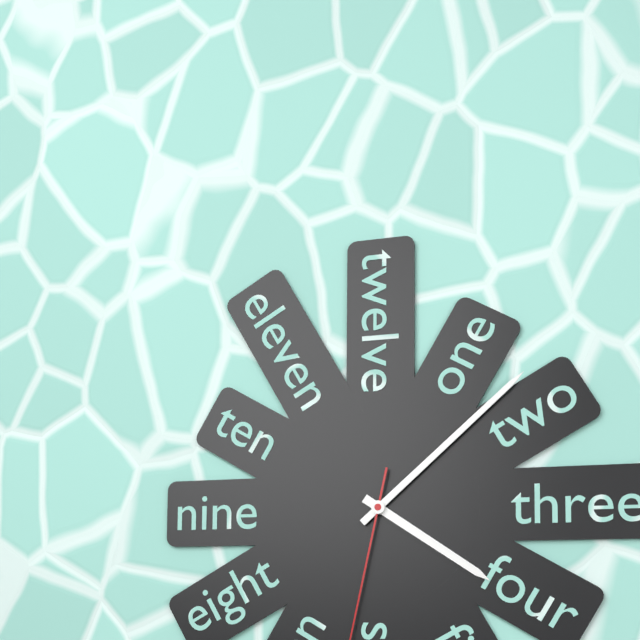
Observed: 4 h 08 min
